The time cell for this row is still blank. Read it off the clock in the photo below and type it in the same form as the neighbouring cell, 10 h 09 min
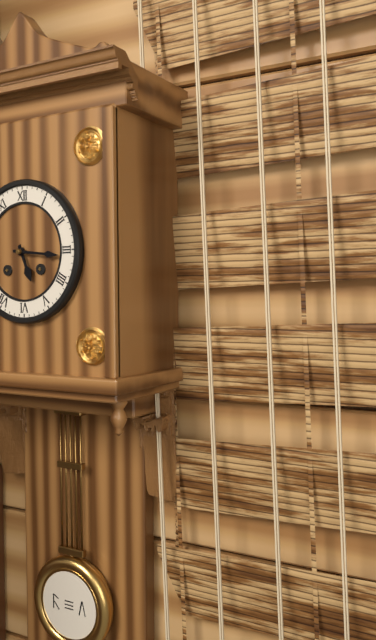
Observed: 5 h 16 min
